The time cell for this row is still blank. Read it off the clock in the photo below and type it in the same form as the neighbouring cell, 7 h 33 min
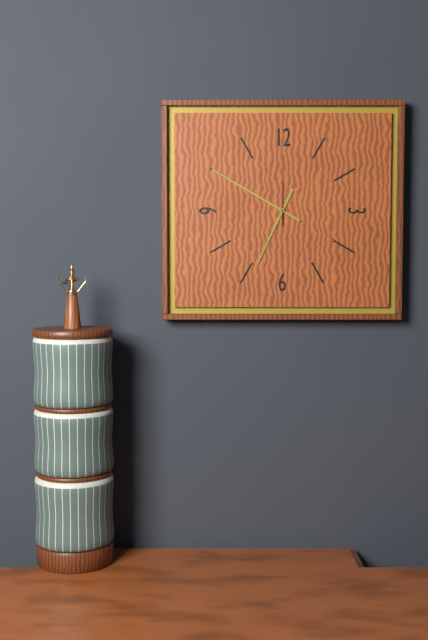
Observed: 6 h 50 min
